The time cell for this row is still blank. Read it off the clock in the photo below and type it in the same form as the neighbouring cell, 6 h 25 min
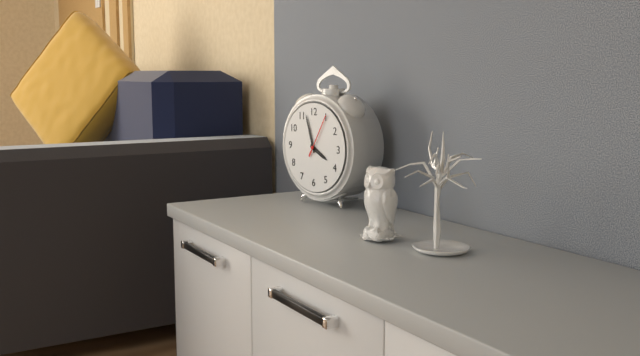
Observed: 3 h 57 min
